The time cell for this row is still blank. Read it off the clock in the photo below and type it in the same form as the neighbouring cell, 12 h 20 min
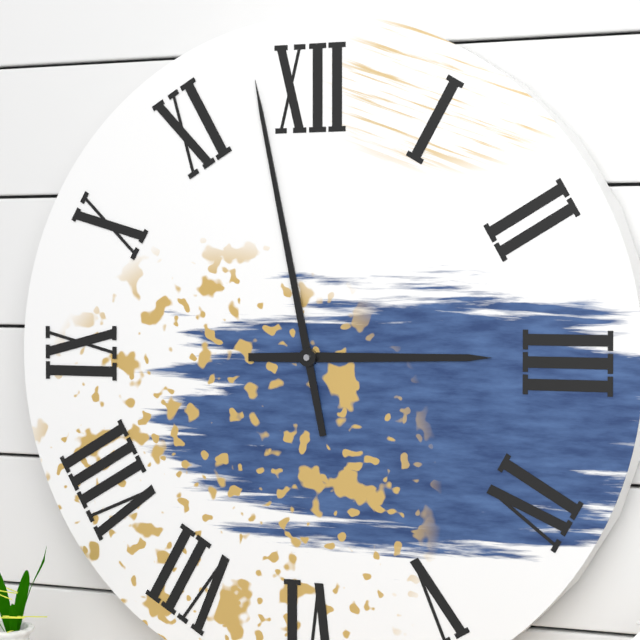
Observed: 2 h 58 min
